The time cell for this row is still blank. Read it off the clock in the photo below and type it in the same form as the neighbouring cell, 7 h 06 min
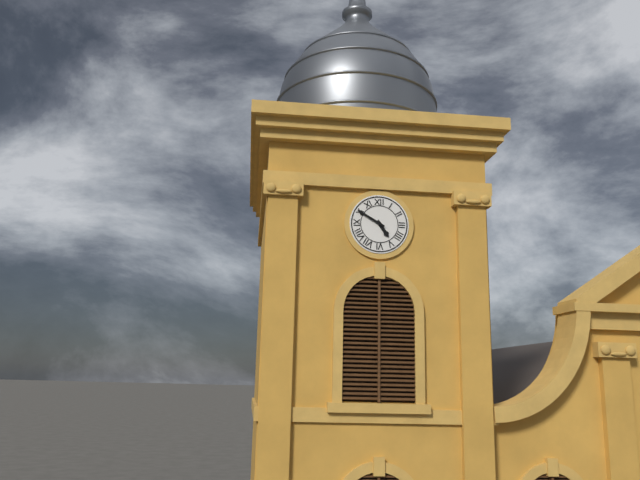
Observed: 4 h 50 min
